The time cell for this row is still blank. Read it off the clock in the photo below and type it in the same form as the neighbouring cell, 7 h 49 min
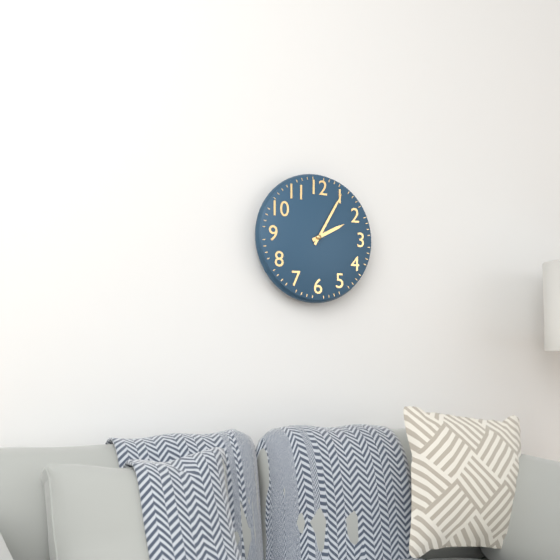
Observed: 2 h 05 min
